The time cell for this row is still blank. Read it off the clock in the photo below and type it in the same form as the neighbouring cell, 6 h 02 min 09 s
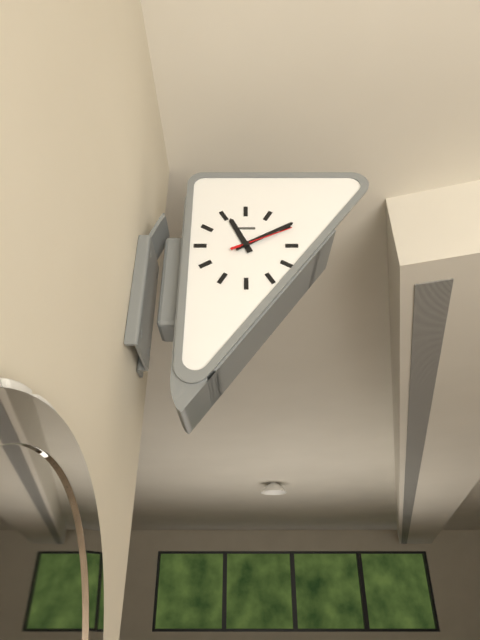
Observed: 11 h 10 min 11 s
